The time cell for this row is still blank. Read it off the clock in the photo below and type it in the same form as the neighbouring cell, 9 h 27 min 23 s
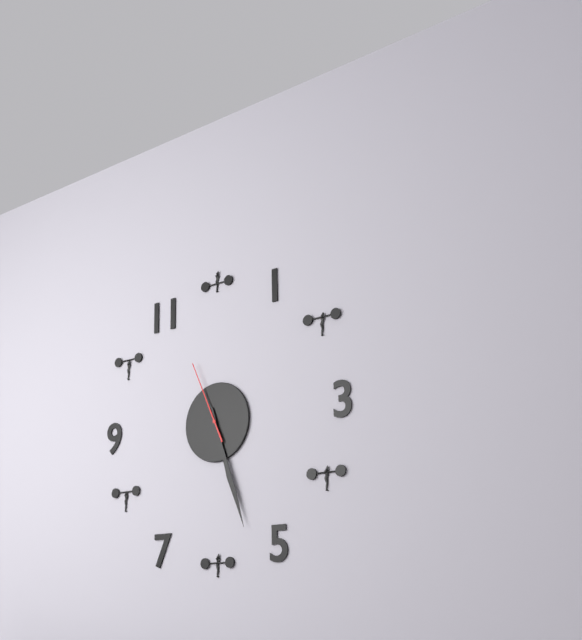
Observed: 5 h 27 min 56 s
